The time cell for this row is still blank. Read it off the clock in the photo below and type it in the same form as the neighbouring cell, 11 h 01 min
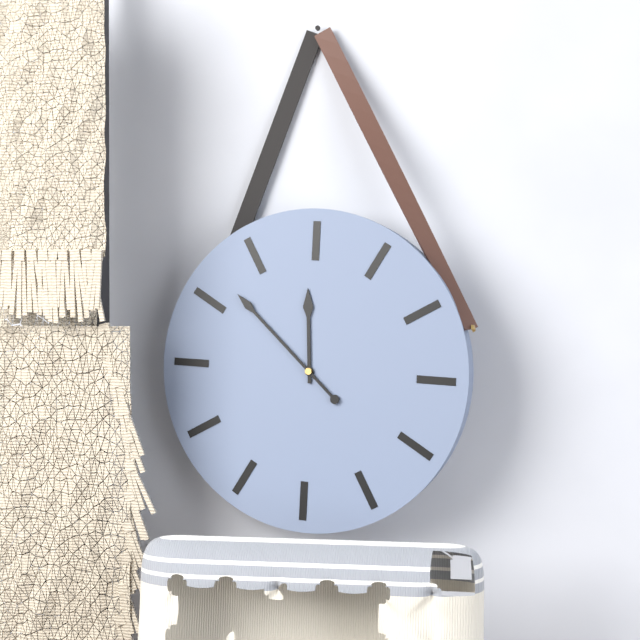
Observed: 11 h 52 min
